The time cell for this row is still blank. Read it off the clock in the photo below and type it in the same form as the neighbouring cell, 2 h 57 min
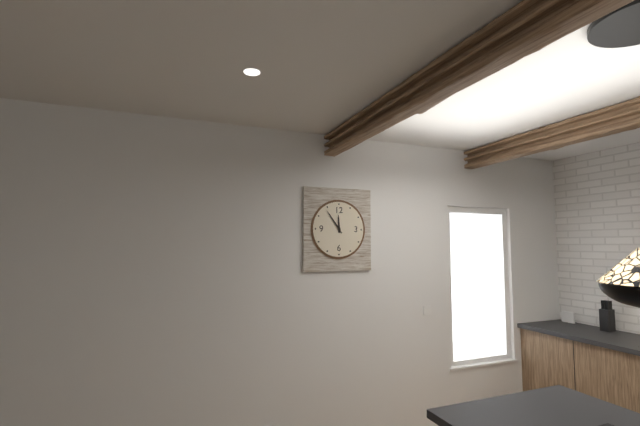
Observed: 11 h 54 min
